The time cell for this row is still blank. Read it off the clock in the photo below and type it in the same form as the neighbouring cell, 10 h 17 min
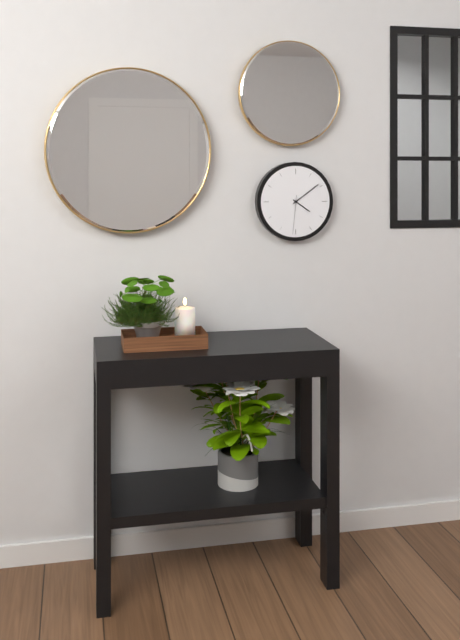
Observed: 4 h 09 min
